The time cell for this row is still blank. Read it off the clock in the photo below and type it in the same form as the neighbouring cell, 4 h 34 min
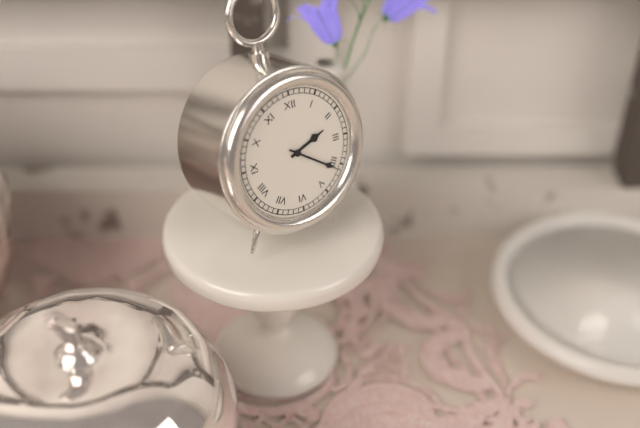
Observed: 2 h 21 min
